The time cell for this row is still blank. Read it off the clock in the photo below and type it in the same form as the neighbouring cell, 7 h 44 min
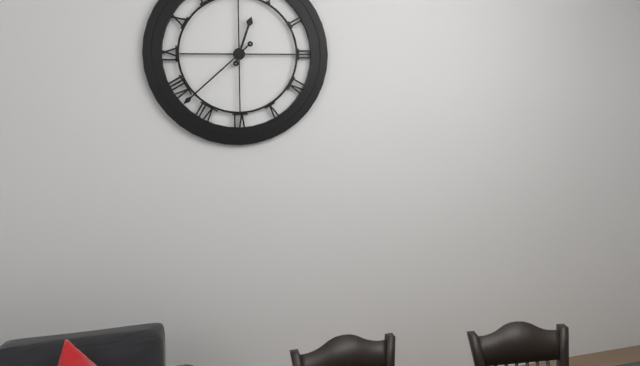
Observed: 12 h 38 min
